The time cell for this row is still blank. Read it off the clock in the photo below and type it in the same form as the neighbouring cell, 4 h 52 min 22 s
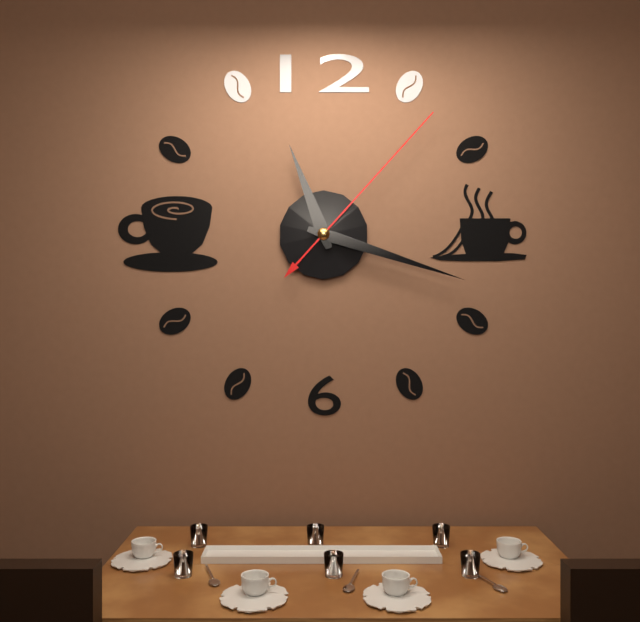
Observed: 11 h 18 min 07 s
